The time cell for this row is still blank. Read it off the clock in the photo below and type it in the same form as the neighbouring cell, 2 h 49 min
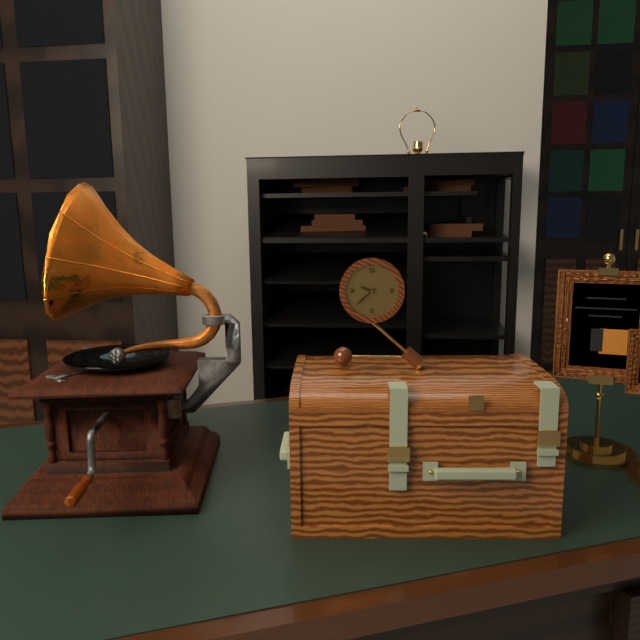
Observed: 9 h 38 min
